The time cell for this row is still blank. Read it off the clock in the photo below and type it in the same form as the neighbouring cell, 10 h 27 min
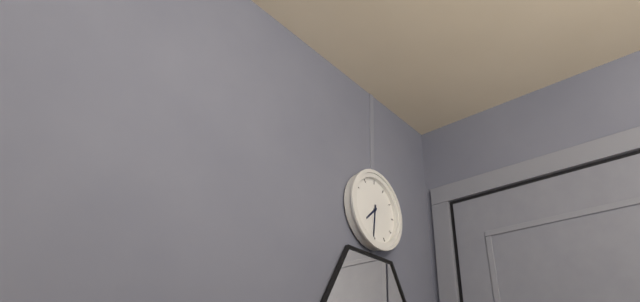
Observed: 7 h 31 min
